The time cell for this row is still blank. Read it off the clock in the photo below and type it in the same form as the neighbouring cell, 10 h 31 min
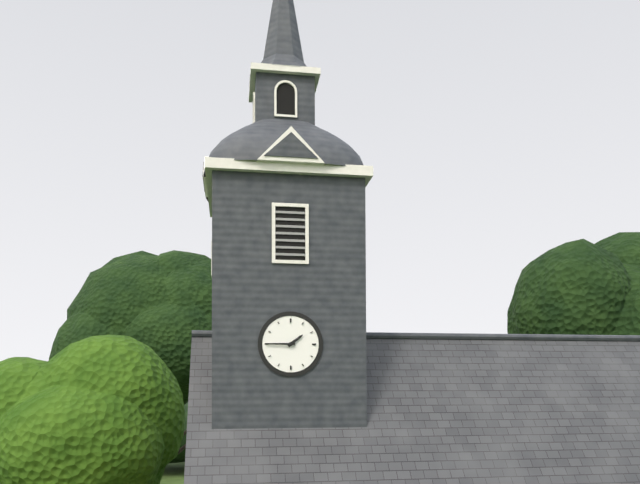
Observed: 1 h 45 min
